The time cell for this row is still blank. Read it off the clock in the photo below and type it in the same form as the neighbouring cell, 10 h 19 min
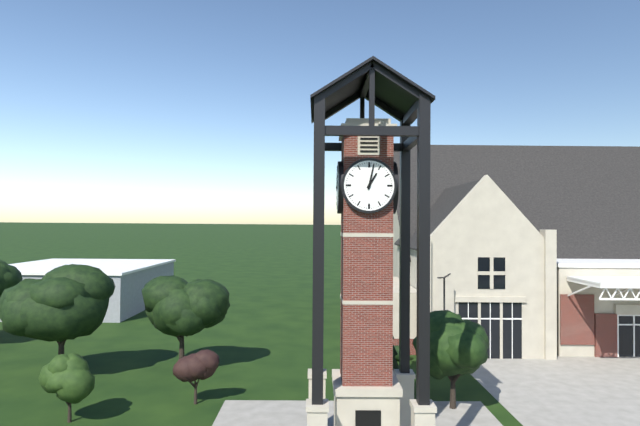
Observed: 1 h 02 min
